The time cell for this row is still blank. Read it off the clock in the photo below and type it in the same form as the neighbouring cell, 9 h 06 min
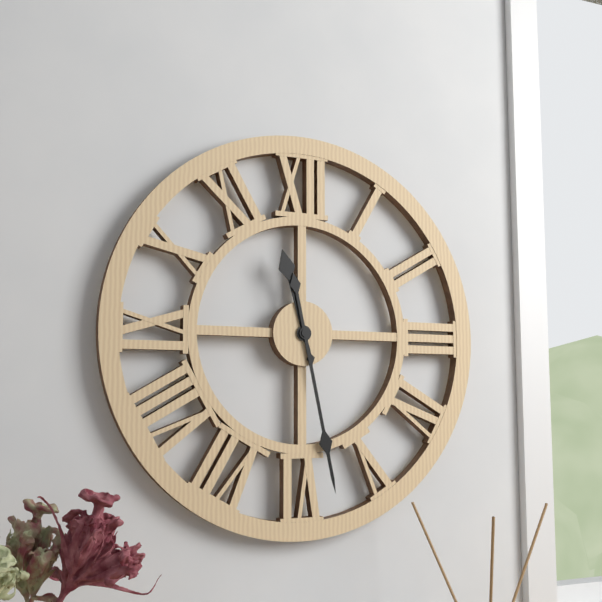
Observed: 11 h 28 min
